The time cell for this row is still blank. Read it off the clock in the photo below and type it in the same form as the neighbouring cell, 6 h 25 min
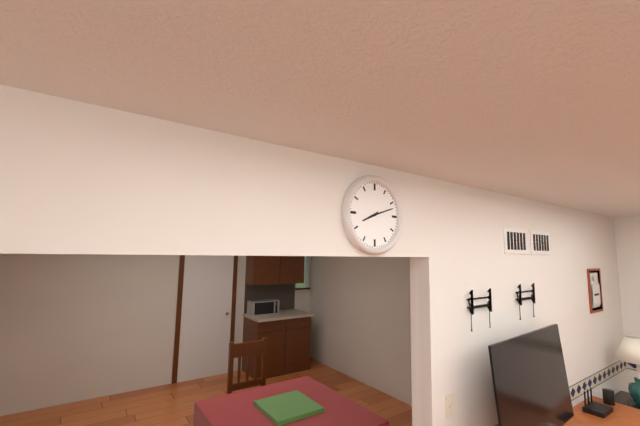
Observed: 8 h 12 min
